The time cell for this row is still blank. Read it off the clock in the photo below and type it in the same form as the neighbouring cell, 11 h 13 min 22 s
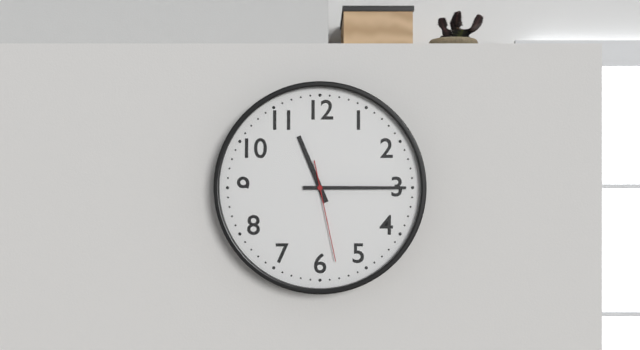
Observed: 11 h 15 min 28 s
